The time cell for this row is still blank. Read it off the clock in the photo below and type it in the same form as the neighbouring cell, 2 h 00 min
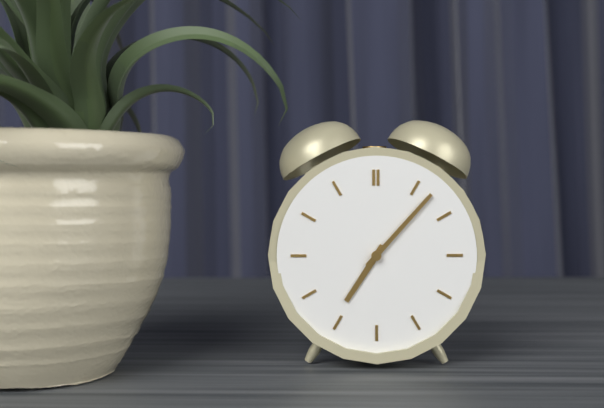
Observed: 7 h 07 min
